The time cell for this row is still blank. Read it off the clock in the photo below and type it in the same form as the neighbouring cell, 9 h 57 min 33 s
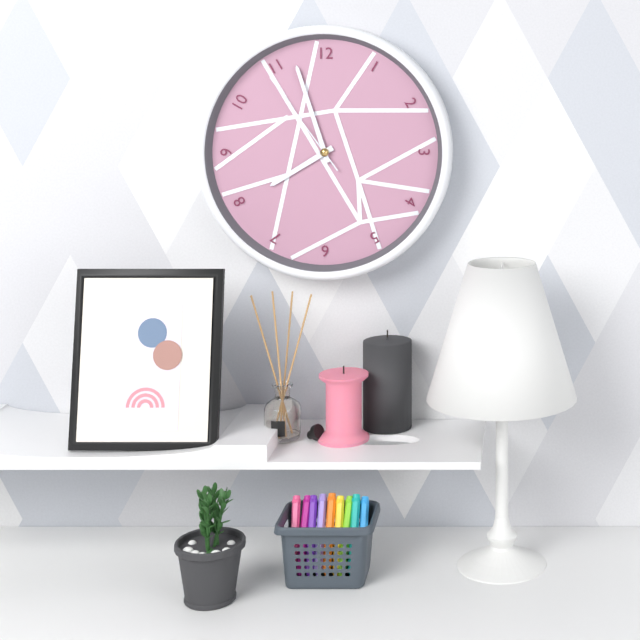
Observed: 7 h 57 min 54 s
